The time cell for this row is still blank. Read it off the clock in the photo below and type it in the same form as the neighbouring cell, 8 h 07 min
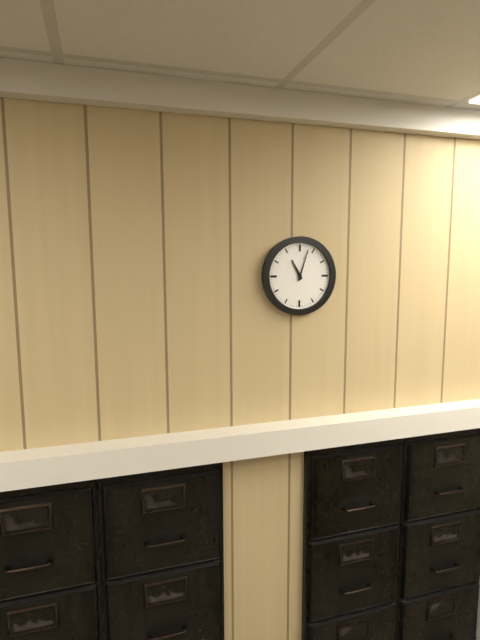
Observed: 11 h 03 min
